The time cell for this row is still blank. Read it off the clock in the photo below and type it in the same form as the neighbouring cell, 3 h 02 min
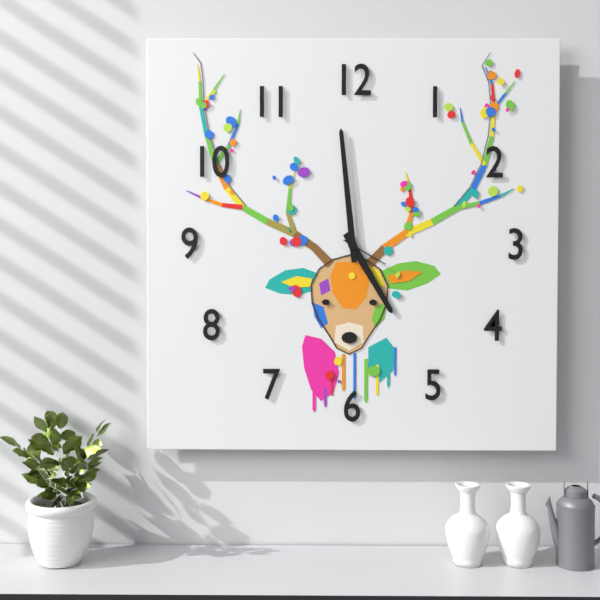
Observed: 4 h 59 min
